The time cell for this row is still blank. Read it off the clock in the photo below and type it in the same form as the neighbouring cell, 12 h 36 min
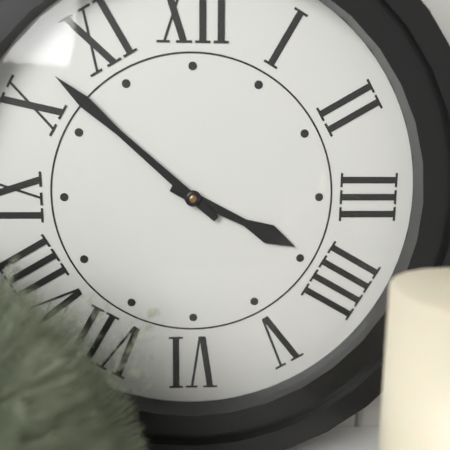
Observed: 3 h 52 min
